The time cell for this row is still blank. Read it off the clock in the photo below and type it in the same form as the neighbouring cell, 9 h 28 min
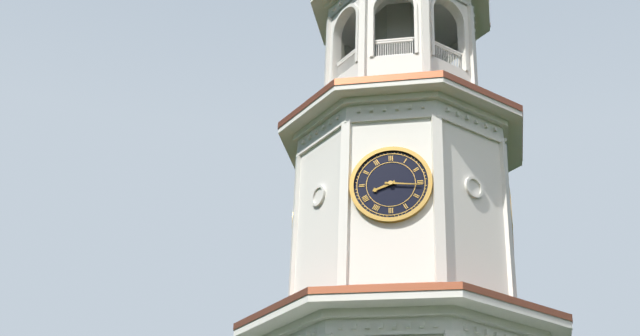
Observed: 8 h 16 min
